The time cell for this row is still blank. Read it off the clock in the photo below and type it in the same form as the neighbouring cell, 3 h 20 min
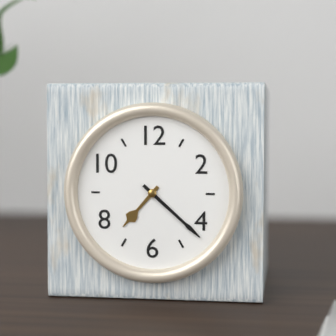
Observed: 7 h 22 min
